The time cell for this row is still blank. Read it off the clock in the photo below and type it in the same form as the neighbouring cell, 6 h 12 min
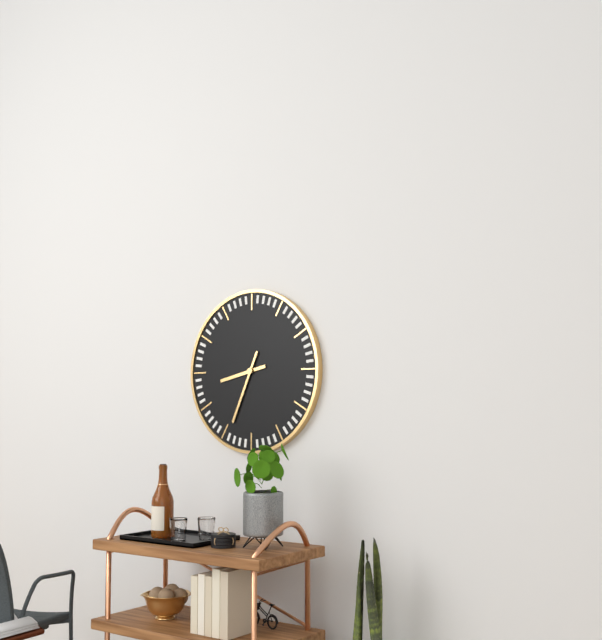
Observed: 8 h 34 min
